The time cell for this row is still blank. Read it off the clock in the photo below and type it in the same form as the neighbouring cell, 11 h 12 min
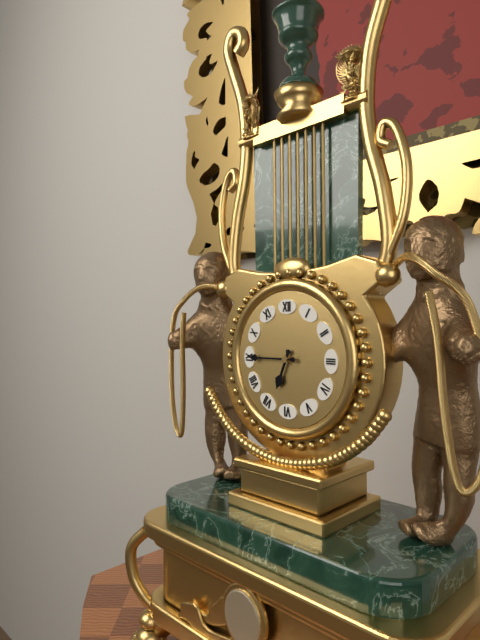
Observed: 6 h 45 min
